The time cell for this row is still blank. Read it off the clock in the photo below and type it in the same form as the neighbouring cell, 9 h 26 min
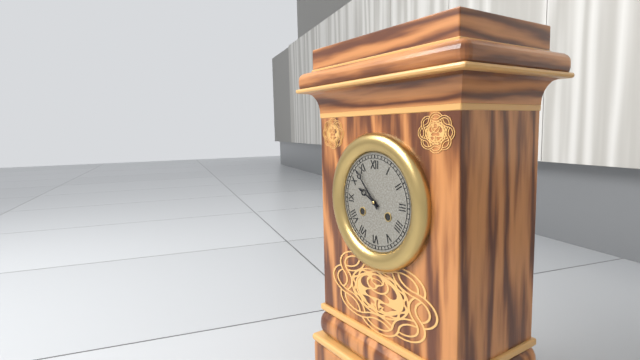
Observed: 9 h 53 min
